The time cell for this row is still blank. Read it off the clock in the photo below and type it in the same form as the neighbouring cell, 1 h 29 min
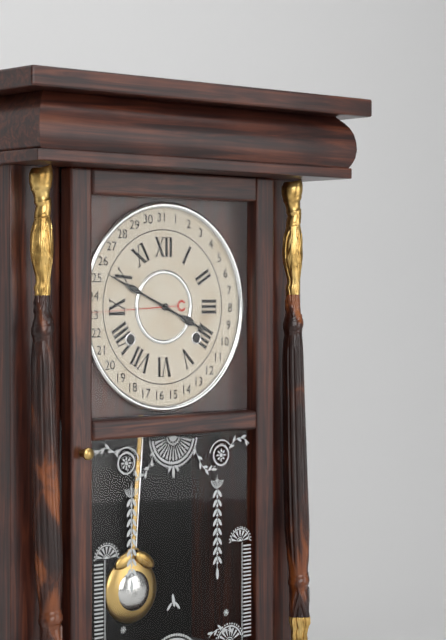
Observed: 3 h 49 min
